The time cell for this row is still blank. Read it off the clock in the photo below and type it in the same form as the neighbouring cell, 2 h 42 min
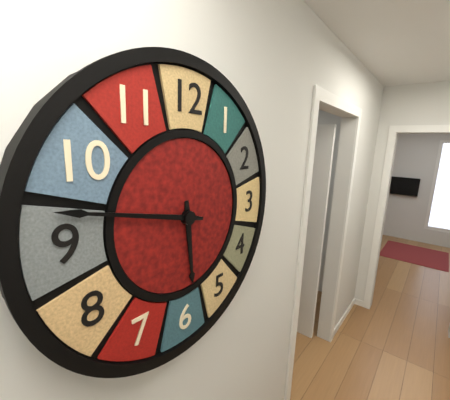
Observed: 5 h 47 min
